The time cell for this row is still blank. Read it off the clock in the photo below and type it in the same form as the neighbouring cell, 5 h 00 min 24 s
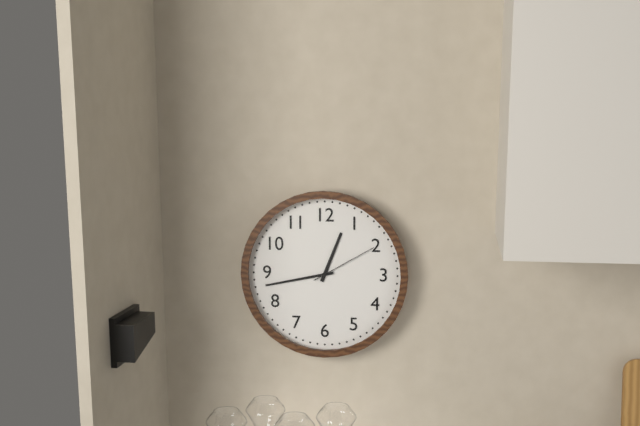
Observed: 12 h 43 min 10 s
